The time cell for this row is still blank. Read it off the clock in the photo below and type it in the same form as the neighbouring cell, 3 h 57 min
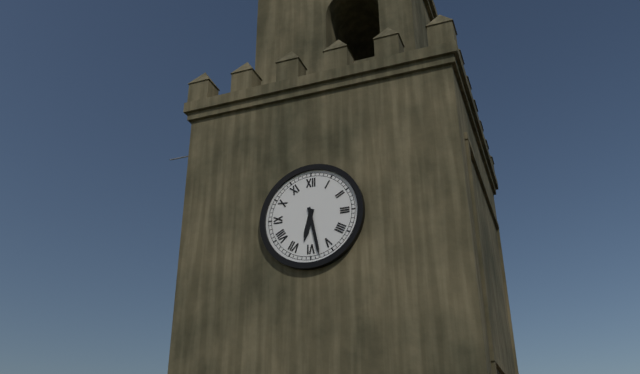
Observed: 6 h 28 min
